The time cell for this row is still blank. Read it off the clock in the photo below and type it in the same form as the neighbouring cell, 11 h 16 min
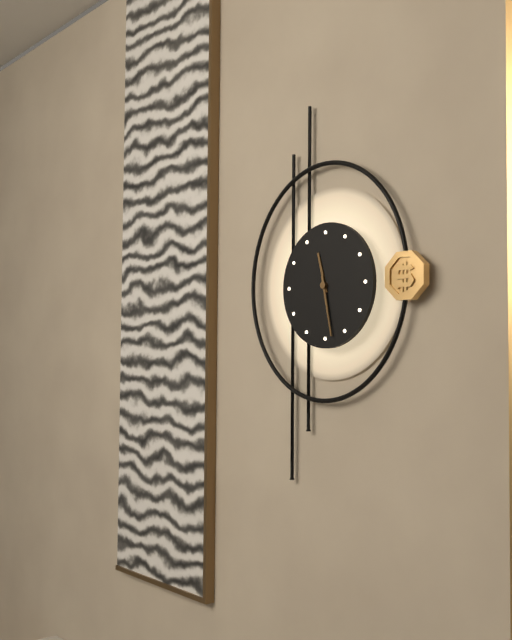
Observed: 11 h 28 min
